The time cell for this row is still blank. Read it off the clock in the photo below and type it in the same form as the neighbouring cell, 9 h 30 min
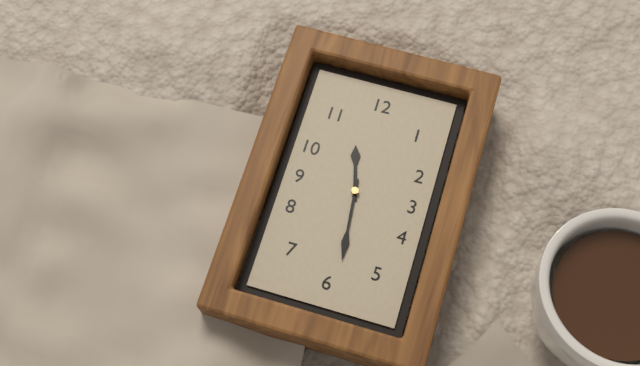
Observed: 11 h 29 min
